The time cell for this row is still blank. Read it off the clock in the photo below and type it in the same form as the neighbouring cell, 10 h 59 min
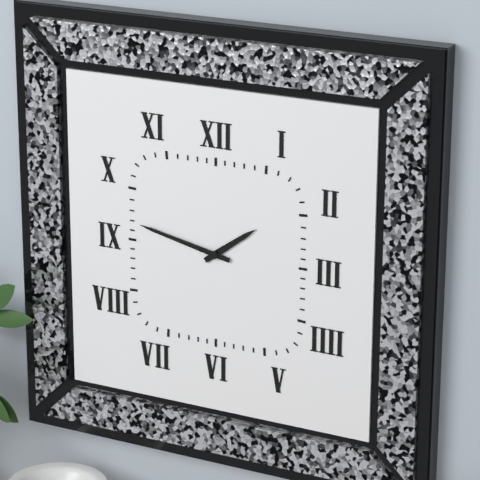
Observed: 1 h 47 min
